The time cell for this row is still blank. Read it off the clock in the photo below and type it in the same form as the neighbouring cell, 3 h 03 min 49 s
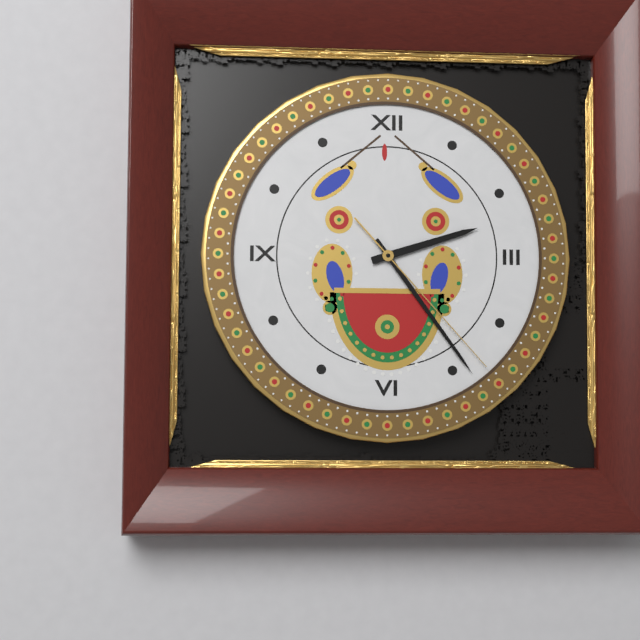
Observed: 2 h 24 min 23 s
